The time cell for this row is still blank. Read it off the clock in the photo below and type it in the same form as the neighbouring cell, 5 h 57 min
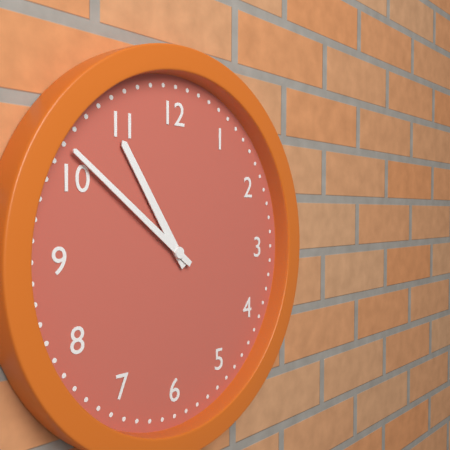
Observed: 10 h 51 min
